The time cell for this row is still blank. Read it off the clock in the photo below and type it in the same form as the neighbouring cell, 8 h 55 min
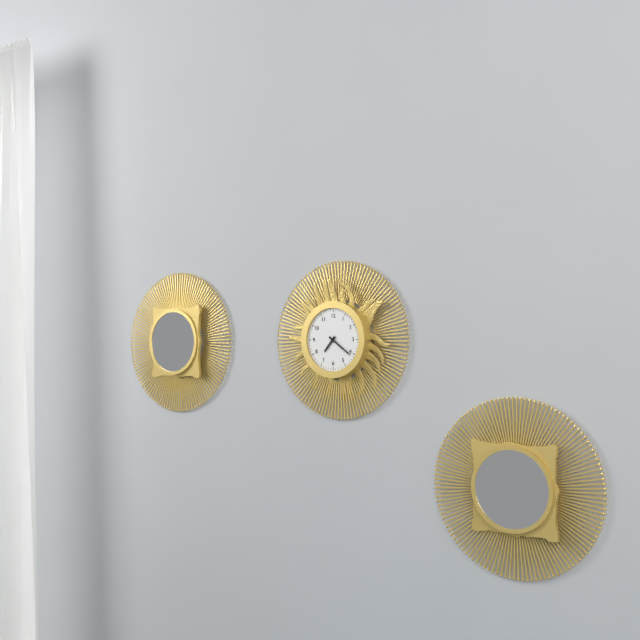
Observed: 7 h 21 min
